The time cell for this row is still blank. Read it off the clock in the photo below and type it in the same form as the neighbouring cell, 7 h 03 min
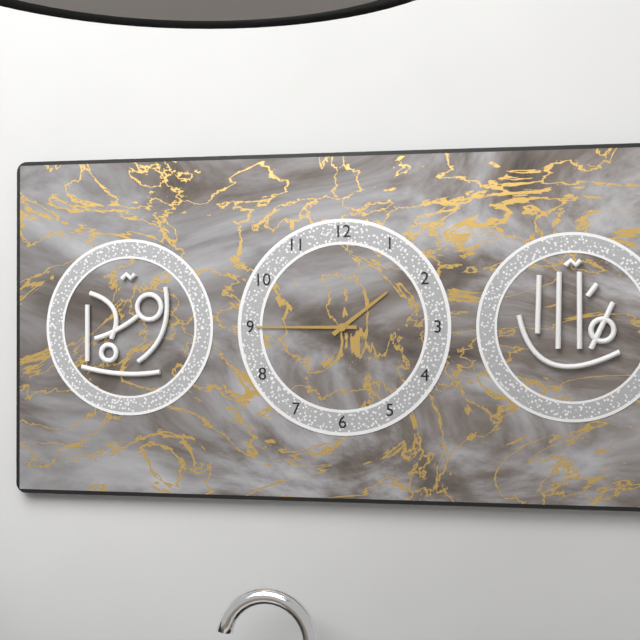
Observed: 1 h 45 min
